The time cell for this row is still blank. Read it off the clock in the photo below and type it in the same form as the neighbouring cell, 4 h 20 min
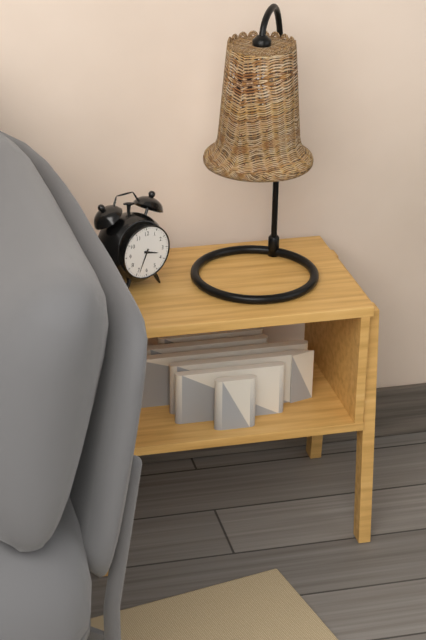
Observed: 3 h 34 min
